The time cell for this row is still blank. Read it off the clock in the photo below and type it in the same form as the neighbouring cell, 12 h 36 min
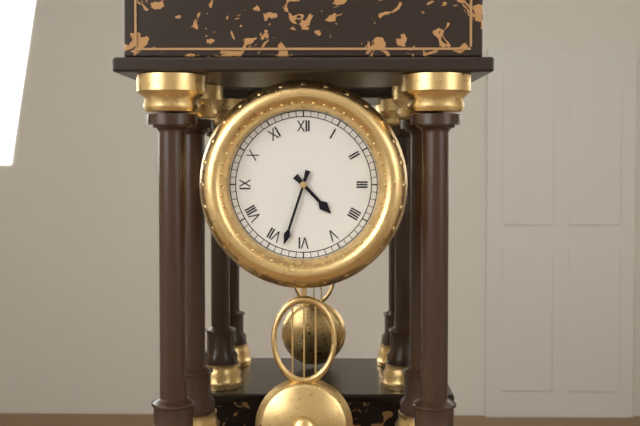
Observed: 4 h 33 min
